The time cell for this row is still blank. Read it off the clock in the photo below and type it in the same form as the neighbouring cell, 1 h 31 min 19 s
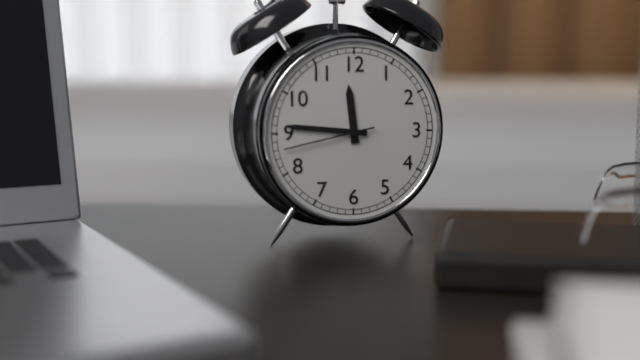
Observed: 11 h 46 min 43 s
